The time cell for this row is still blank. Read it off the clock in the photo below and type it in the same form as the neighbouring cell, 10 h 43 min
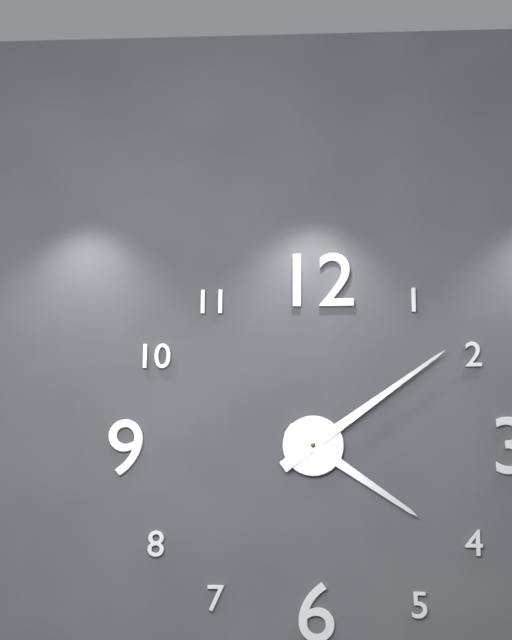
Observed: 4 h 09 min
